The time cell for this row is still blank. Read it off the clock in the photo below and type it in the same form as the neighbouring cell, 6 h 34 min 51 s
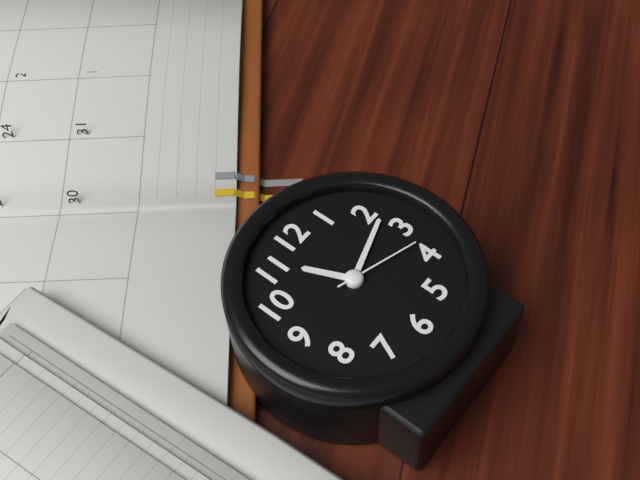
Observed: 11 h 12 min 18 s
